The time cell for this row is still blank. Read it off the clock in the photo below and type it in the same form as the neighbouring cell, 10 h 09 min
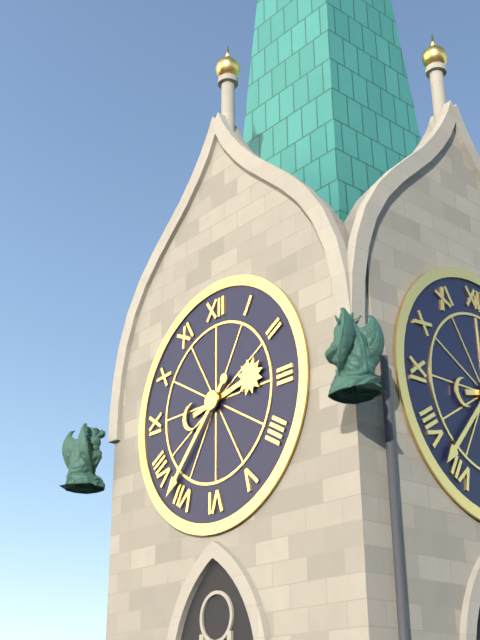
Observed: 2 h 37 min
